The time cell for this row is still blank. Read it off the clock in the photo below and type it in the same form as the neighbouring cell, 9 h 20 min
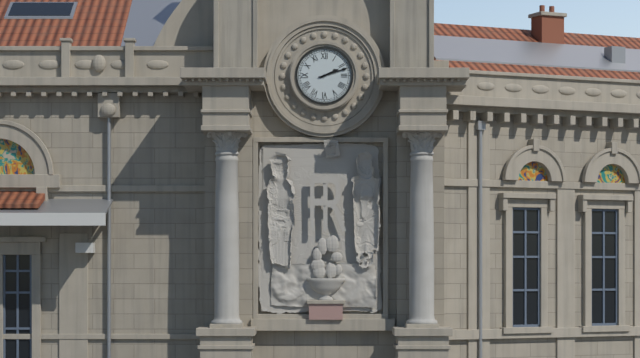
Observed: 2 h 12 min
